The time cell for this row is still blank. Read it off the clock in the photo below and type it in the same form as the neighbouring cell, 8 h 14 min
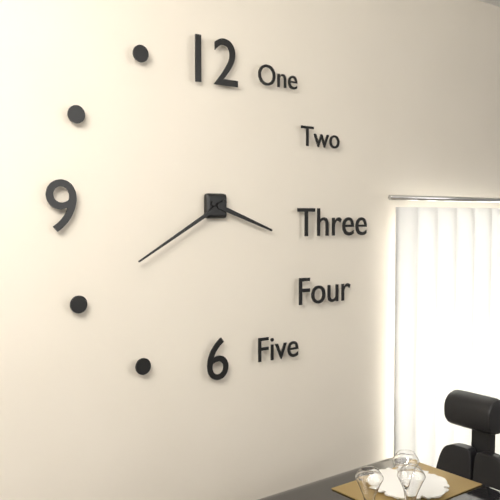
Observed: 3 h 40 min
